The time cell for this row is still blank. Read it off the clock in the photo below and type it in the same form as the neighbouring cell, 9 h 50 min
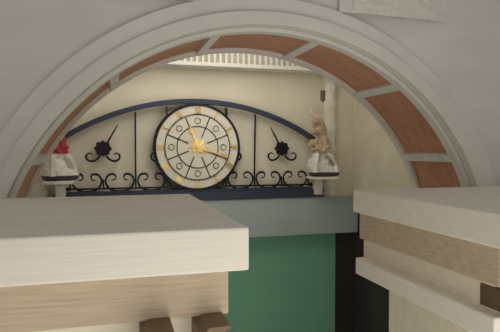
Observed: 11 h 18 min
